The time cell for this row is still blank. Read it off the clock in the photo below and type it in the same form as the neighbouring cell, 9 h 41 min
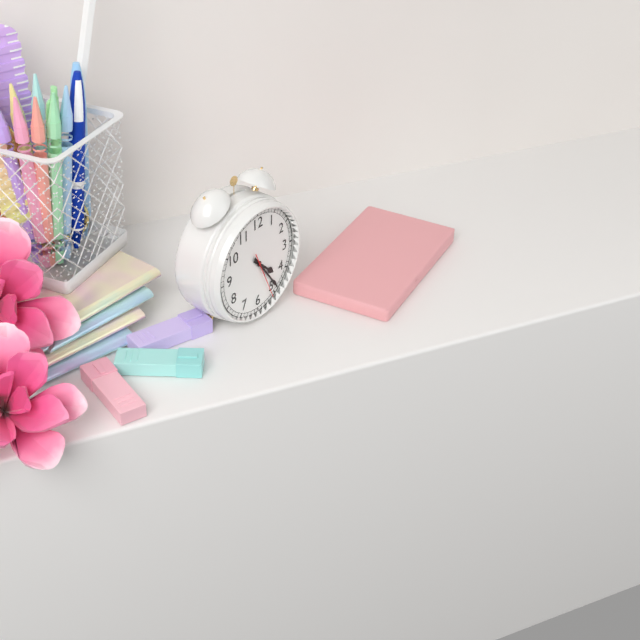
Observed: 4 h 24 min
